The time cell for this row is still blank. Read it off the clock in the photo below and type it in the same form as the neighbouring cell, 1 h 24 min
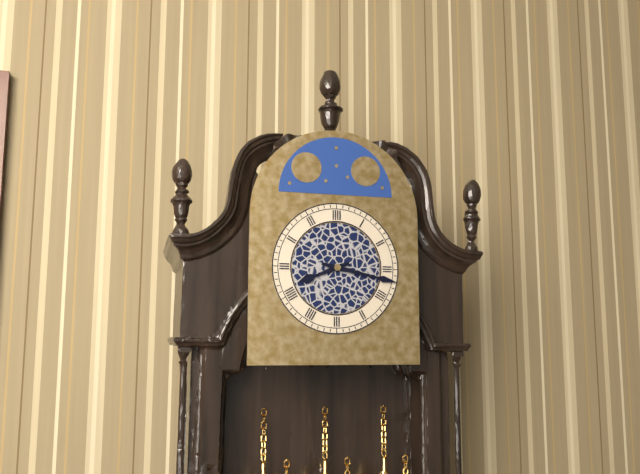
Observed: 8 h 17 min
